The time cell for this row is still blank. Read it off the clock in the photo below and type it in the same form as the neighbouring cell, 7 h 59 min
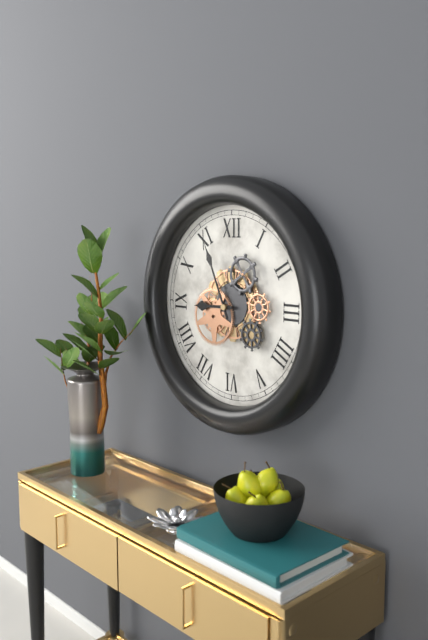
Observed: 8 h 56 min
